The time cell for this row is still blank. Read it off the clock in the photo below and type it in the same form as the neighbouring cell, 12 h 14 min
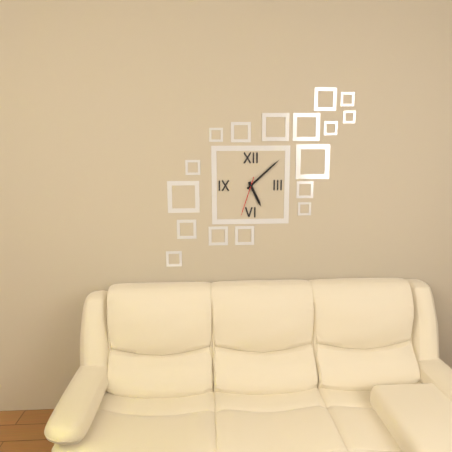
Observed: 5 h 08 min
